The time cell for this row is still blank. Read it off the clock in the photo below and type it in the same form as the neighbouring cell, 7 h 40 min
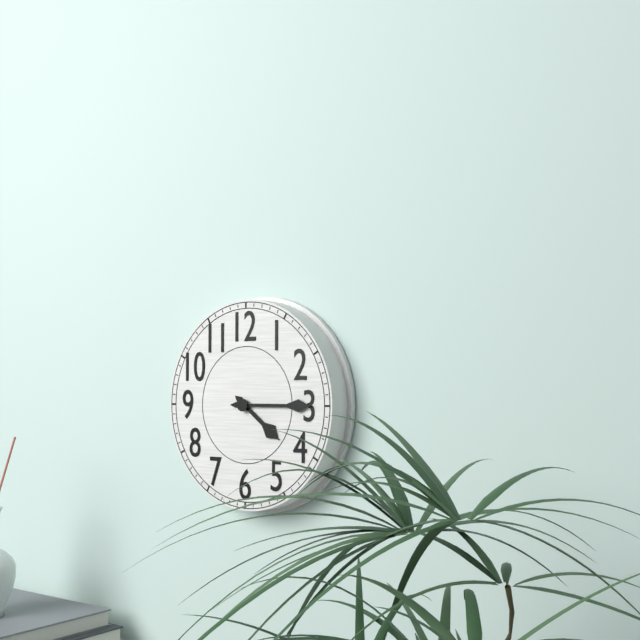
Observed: 4 h 15 min
